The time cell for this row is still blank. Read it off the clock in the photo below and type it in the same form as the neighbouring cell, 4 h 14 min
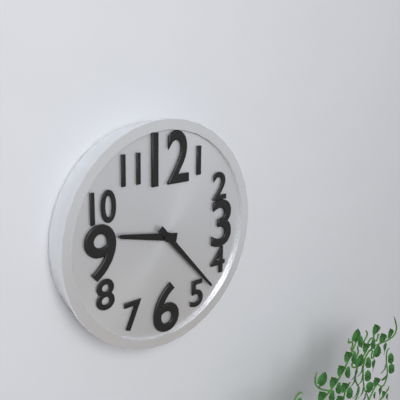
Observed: 9 h 23 min
